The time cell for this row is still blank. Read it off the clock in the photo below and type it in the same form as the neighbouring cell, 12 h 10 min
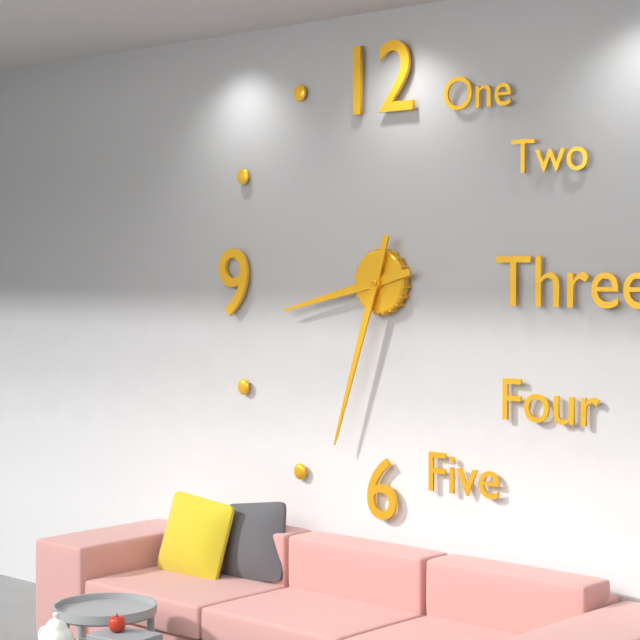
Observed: 8 h 33 min
